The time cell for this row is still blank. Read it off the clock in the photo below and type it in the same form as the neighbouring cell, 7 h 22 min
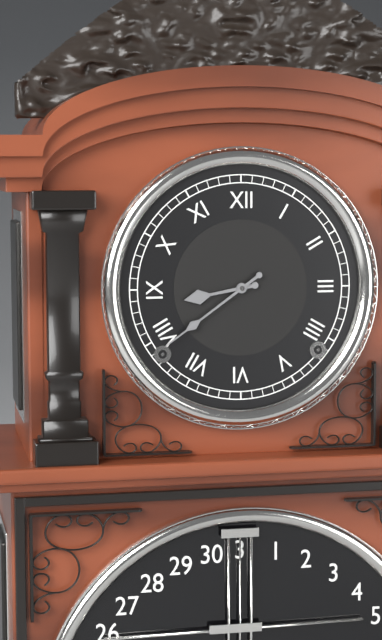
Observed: 8 h 39 min
